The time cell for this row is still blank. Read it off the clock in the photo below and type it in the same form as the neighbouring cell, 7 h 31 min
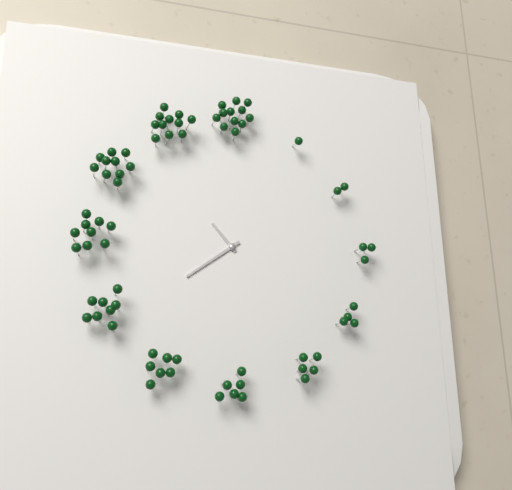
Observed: 10 h 39 min
